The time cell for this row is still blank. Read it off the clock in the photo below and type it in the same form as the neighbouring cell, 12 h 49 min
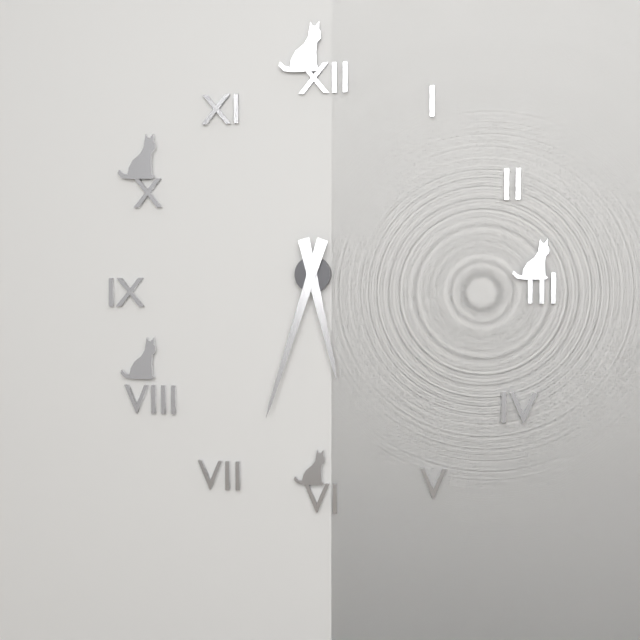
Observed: 5 h 33 min
